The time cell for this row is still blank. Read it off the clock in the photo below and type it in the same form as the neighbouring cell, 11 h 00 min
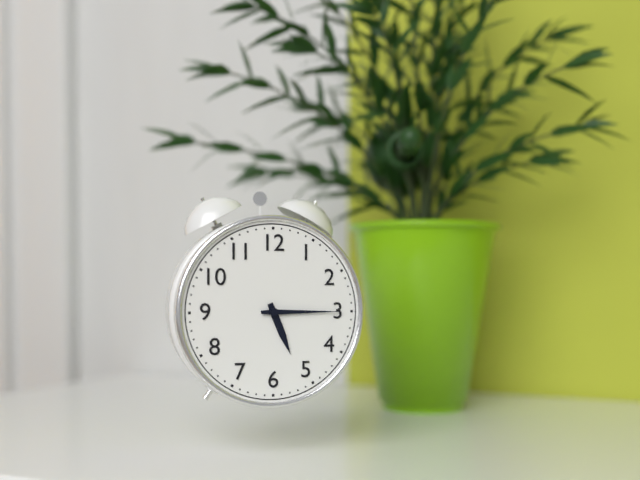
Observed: 5 h 15 min
